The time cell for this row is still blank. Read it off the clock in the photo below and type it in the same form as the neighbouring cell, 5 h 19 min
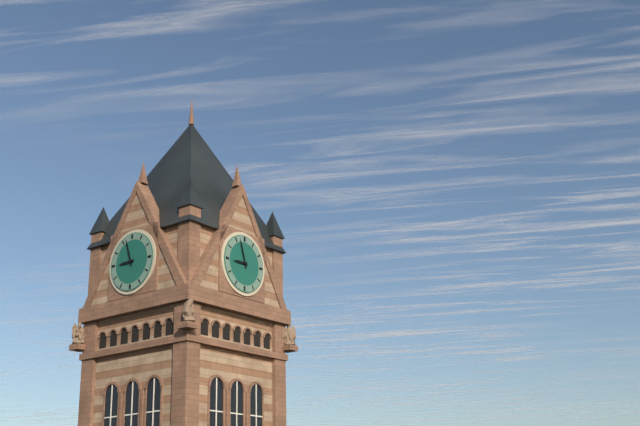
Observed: 8 h 57 min
